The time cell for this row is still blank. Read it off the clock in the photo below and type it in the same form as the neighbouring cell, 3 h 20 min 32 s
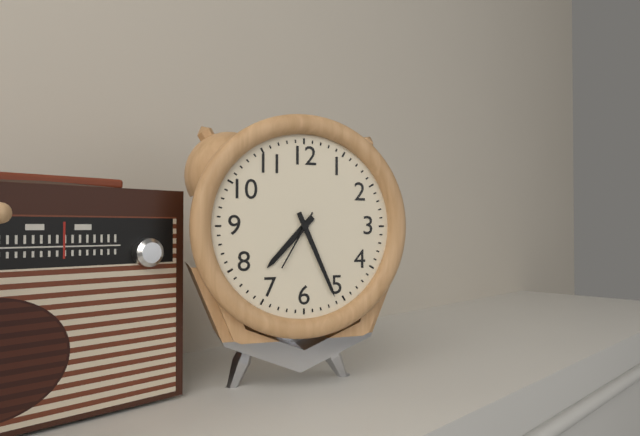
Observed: 7 h 26 min 35 s
